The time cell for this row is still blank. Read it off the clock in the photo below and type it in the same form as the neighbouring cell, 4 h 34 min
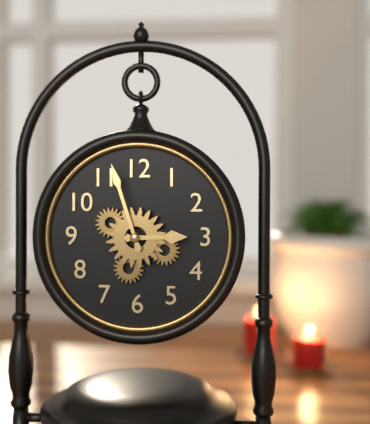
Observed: 2 h 57 min
